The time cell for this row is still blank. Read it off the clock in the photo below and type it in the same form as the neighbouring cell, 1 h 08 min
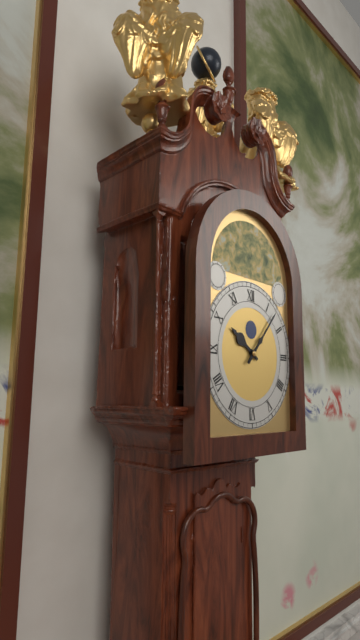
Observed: 10 h 07 min
